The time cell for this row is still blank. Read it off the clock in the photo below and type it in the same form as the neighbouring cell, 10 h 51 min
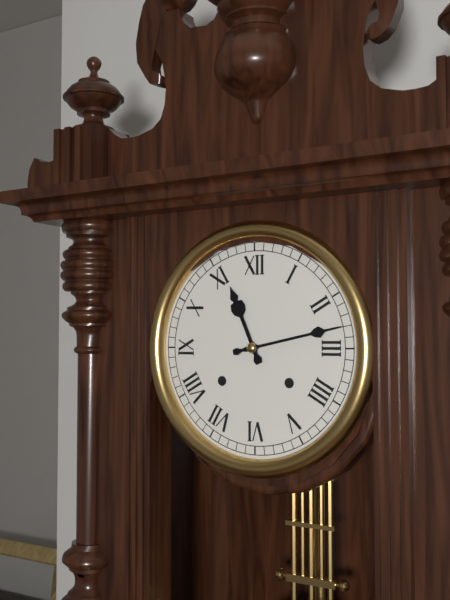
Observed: 11 h 13 min
